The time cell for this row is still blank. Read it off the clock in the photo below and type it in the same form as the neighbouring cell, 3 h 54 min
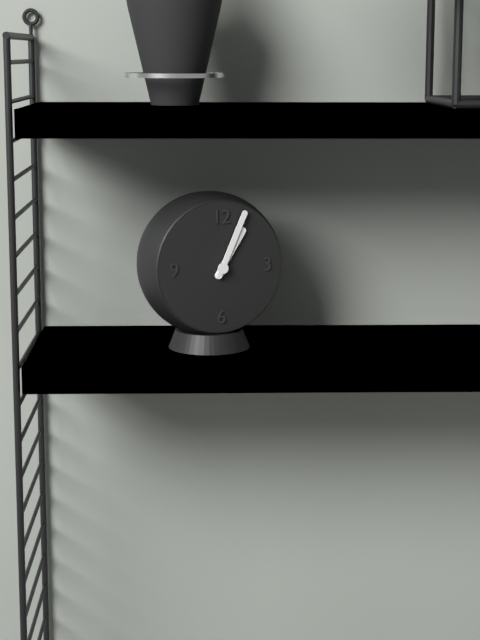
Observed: 1 h 04 min
